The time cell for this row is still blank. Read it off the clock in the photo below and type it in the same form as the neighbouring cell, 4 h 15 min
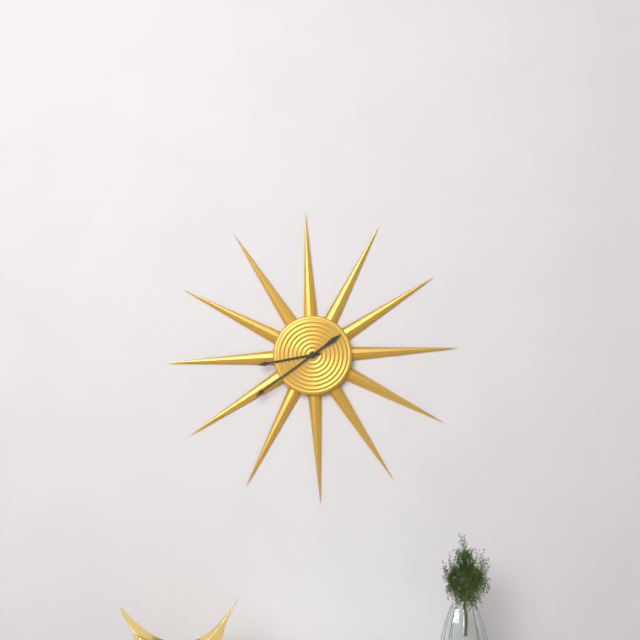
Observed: 8 h 39 min
